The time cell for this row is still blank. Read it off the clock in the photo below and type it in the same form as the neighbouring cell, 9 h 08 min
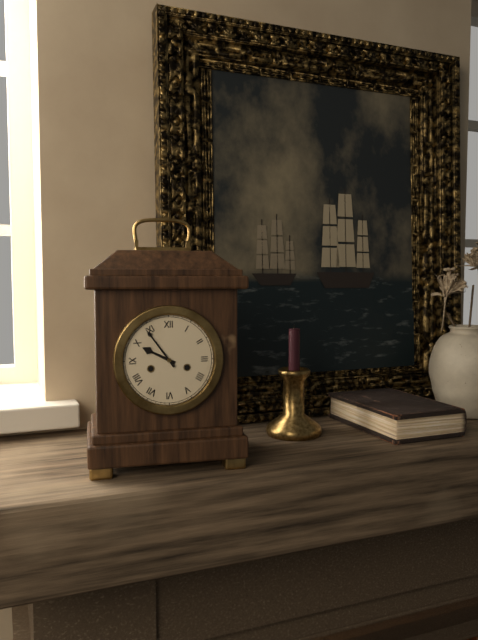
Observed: 9 h 54 min
